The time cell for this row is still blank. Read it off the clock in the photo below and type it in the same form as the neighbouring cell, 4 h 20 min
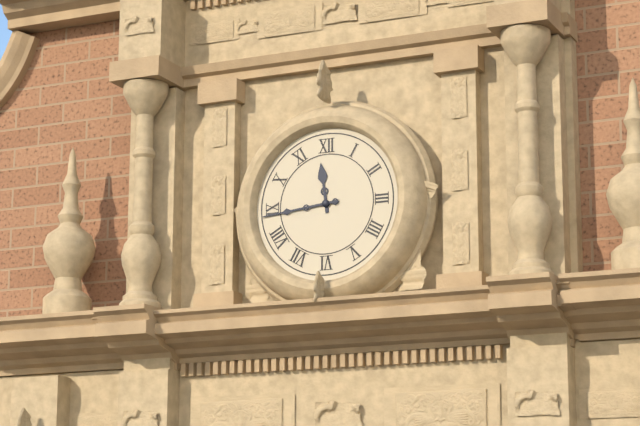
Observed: 11 h 44 min
